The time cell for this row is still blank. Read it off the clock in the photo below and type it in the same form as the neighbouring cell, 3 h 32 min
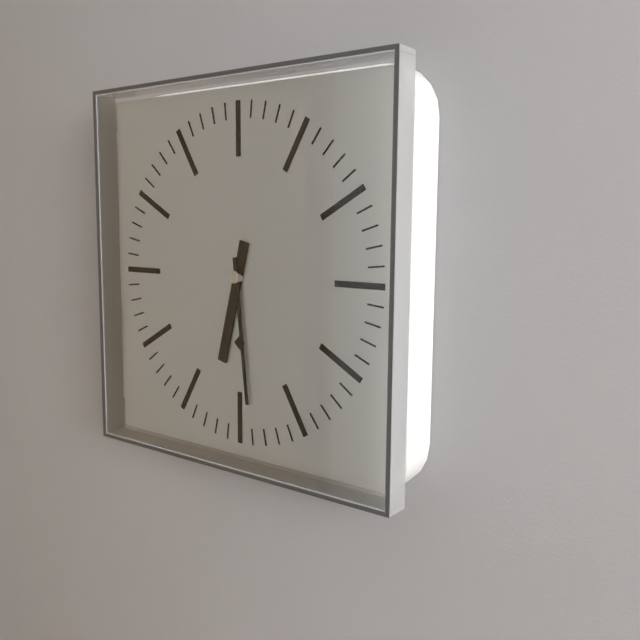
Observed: 6 h 29 min
